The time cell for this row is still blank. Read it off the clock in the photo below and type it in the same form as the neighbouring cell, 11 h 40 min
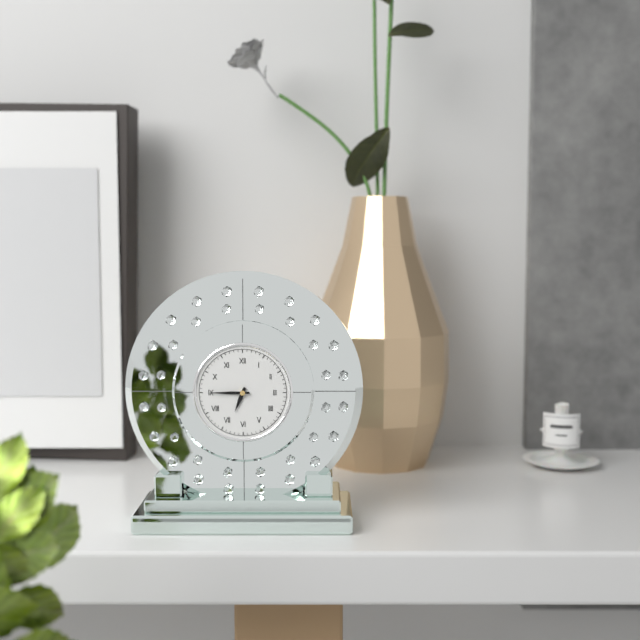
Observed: 6 h 45 min
